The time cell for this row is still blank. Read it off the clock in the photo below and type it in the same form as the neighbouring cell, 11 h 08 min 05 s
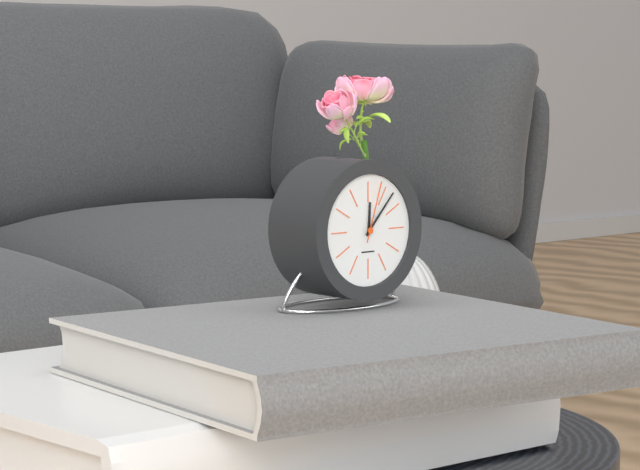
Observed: 12 h 07 min 03 s
